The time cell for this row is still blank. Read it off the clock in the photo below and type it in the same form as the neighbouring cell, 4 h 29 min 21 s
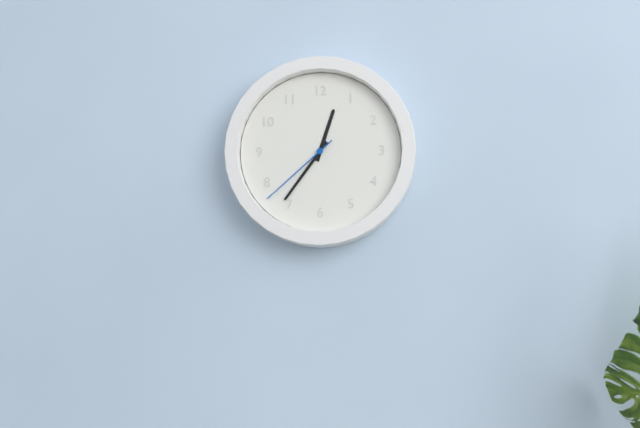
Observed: 12 h 36 min 38 s
